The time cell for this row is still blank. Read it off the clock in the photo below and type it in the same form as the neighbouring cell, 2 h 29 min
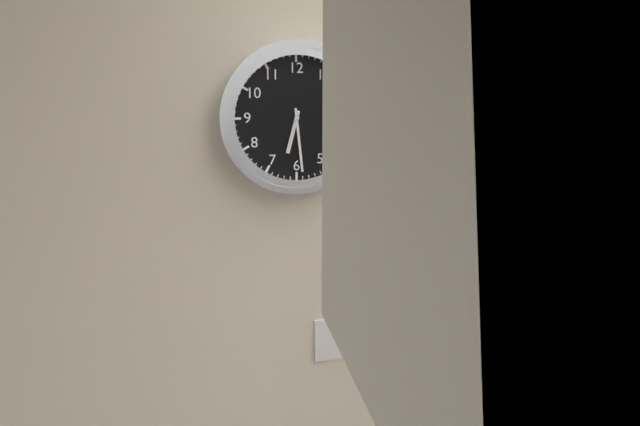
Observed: 6 h 29 min
